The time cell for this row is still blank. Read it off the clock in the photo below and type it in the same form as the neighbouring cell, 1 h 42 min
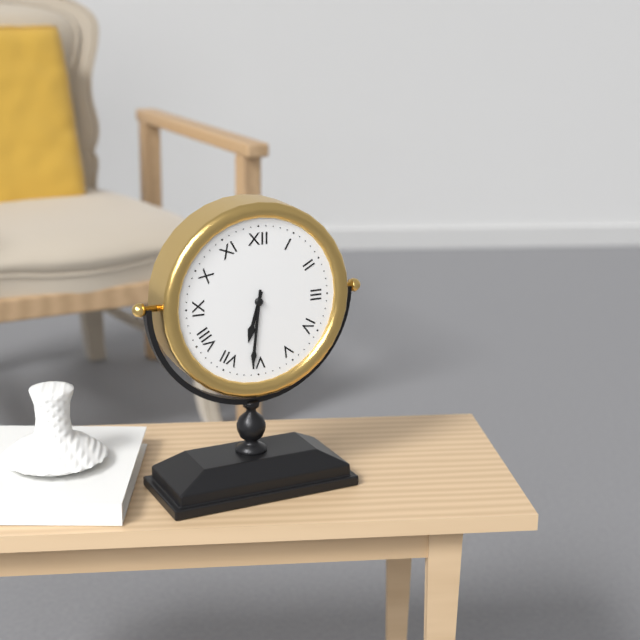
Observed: 6 h 31 min
